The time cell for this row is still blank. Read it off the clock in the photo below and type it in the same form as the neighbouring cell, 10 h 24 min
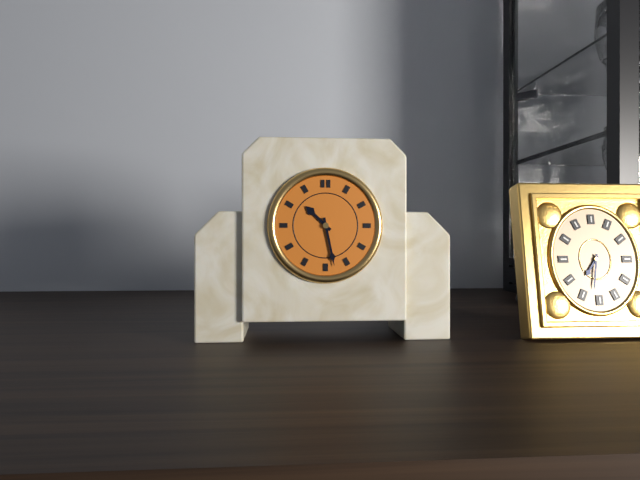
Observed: 10 h 28 min
